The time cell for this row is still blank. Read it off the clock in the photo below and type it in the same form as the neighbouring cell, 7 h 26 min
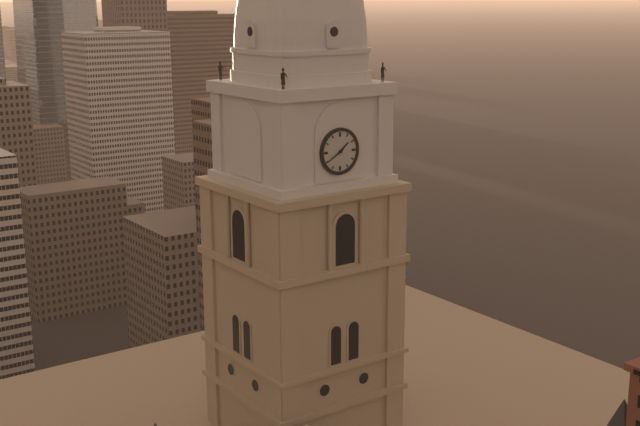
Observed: 1 h 40 min
